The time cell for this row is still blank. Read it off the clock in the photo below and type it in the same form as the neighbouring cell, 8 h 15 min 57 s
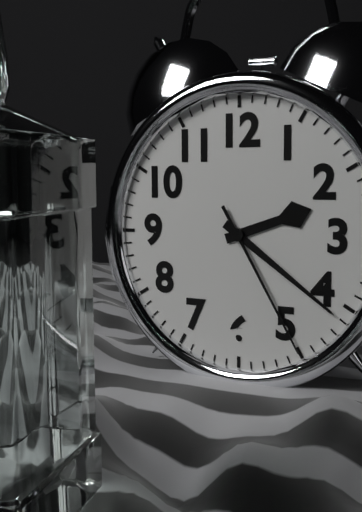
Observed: 2 h 21 min 25 s
